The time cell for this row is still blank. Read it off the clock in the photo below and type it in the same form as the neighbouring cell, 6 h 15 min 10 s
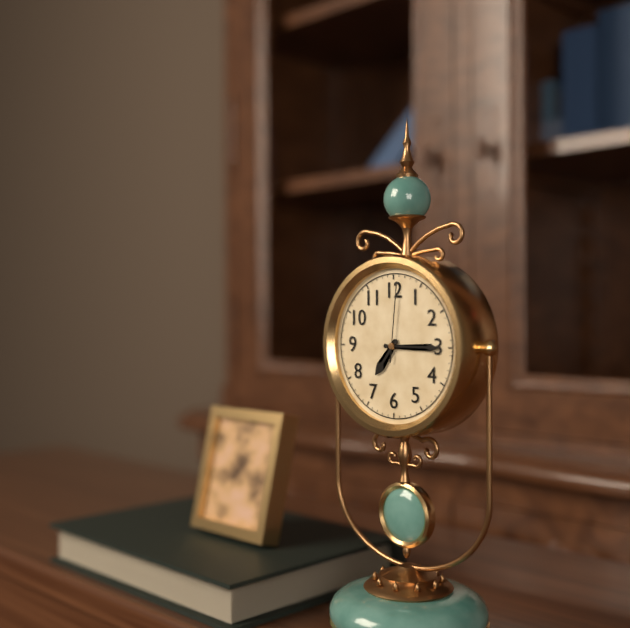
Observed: 7 h 15 min 01 s
